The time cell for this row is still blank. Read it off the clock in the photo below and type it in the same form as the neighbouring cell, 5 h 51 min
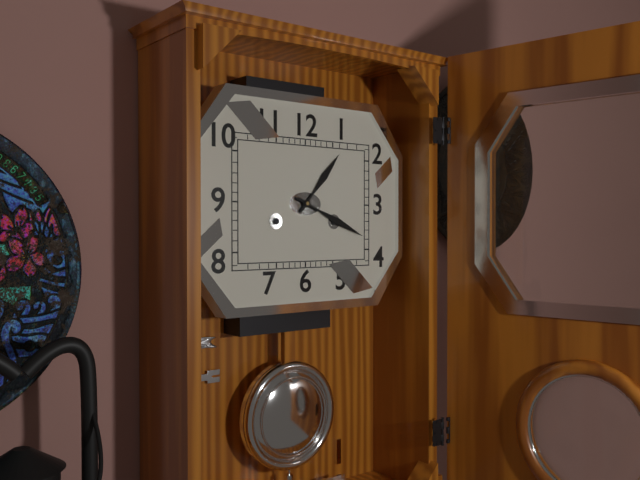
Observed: 1 h 19 min
